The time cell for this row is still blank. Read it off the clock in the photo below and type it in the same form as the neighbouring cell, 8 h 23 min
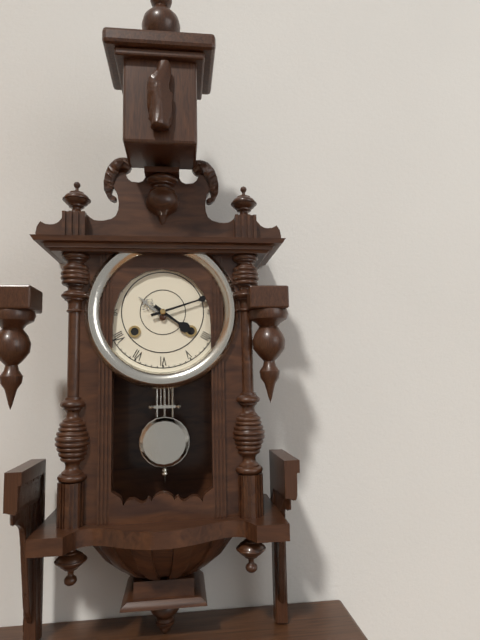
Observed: 4 h 12 min
